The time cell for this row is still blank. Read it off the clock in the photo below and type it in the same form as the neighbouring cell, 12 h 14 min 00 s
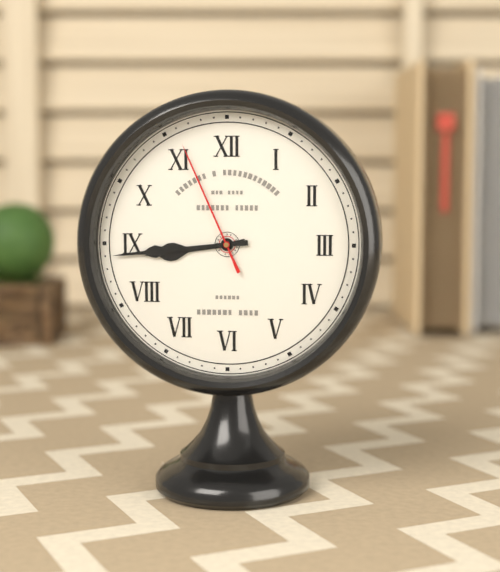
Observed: 8 h 44 min 56 s
